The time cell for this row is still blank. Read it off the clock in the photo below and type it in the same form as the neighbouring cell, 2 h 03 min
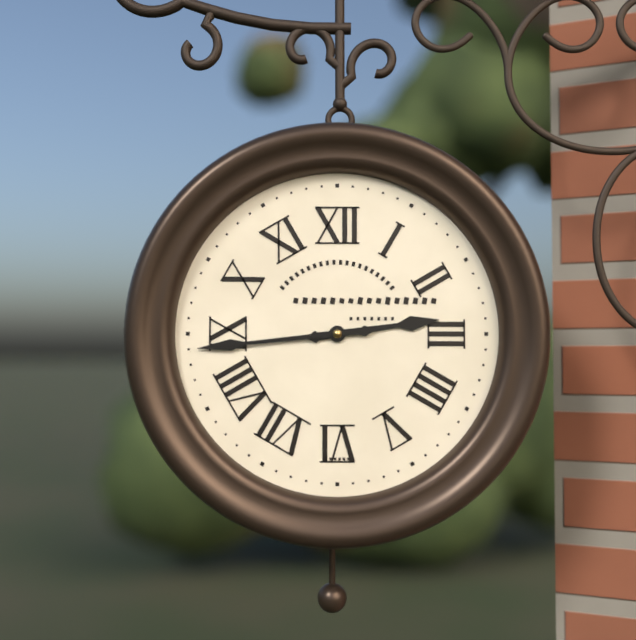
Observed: 2 h 44 min
